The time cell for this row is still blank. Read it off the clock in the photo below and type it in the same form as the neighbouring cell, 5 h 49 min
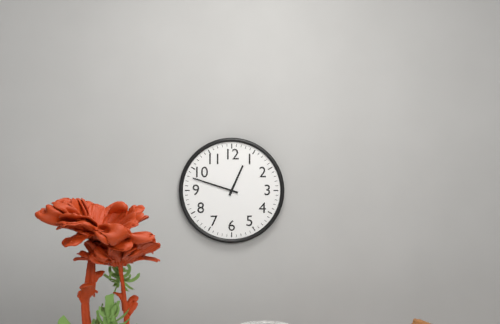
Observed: 12 h 48 min
